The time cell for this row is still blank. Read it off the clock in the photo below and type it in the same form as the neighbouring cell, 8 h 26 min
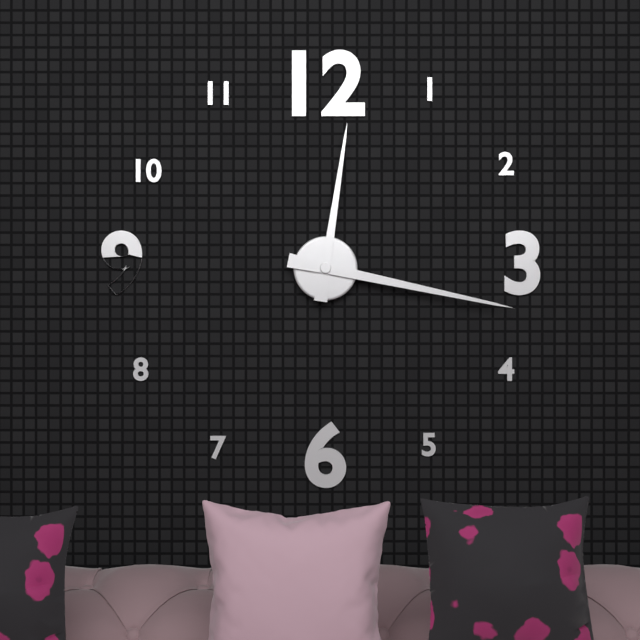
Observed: 12 h 17 min
